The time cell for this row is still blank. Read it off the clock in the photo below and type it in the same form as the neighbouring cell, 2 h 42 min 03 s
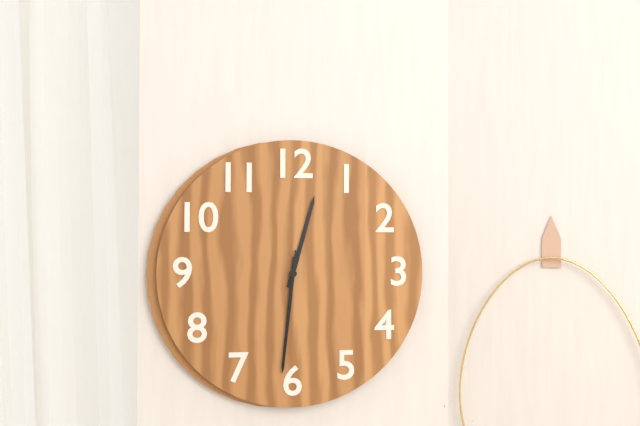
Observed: 12 h 31 min 31 s
